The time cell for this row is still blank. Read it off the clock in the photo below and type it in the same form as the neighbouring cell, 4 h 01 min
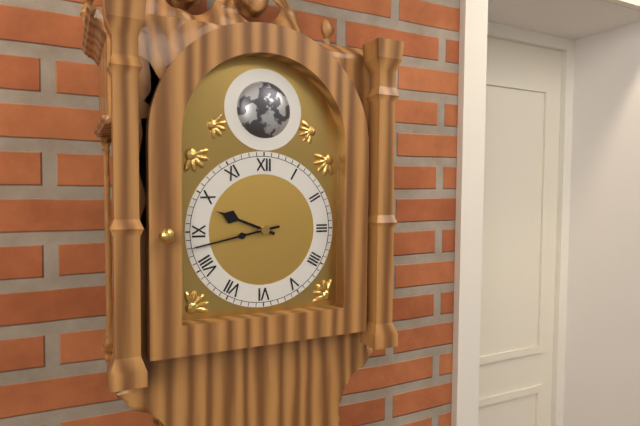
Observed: 9 h 43 min
